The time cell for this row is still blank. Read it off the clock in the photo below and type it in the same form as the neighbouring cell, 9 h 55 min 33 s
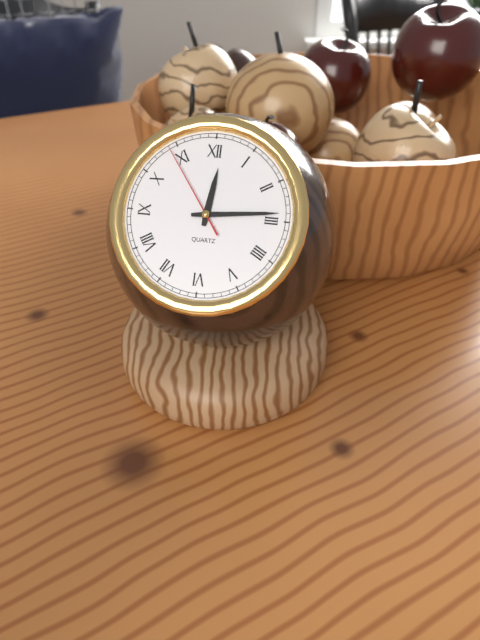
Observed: 12 h 14 min 54 s
